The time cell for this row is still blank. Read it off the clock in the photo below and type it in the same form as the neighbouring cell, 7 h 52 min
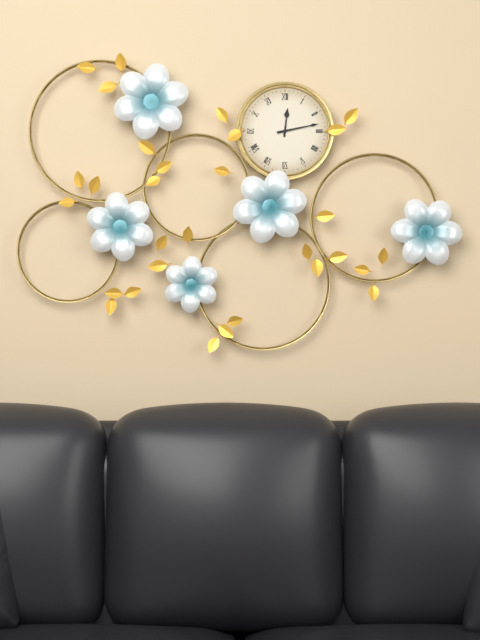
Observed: 12 h 13 min
